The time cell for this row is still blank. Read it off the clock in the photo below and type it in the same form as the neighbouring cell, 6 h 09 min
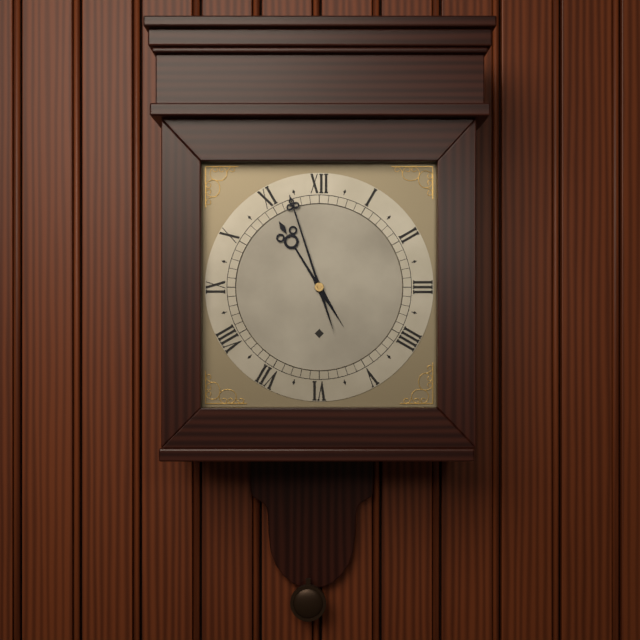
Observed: 10 h 57 min
